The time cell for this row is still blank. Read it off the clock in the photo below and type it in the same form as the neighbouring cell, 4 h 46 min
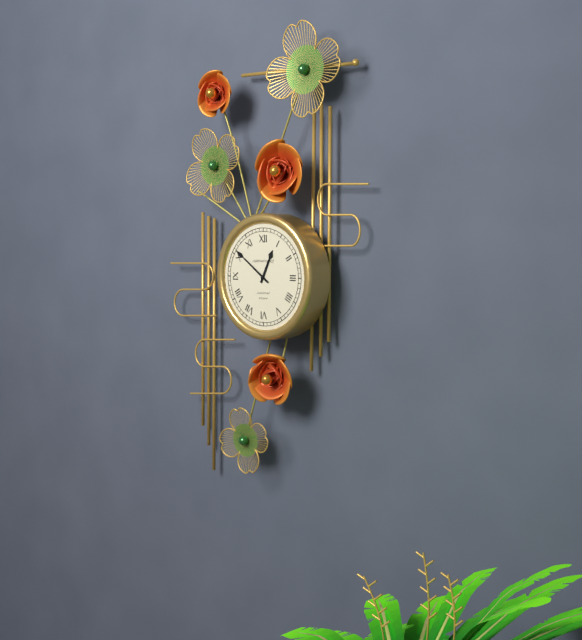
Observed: 12 h 51 min
